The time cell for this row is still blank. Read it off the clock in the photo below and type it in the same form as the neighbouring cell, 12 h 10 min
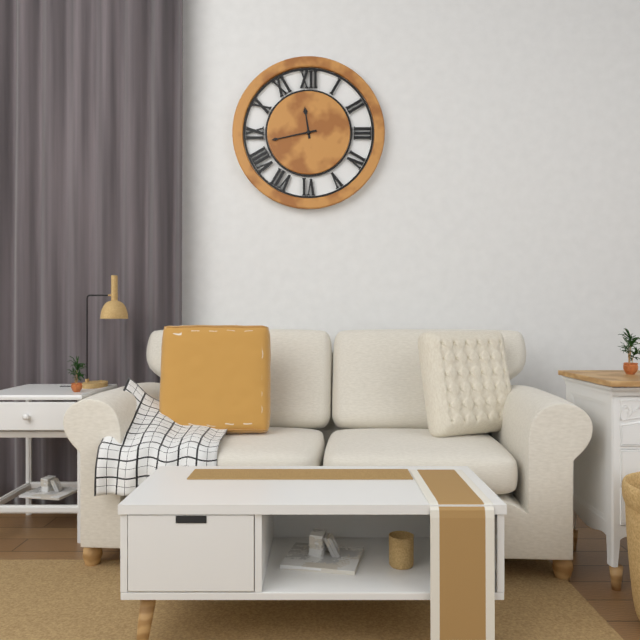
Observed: 11 h 43 min
